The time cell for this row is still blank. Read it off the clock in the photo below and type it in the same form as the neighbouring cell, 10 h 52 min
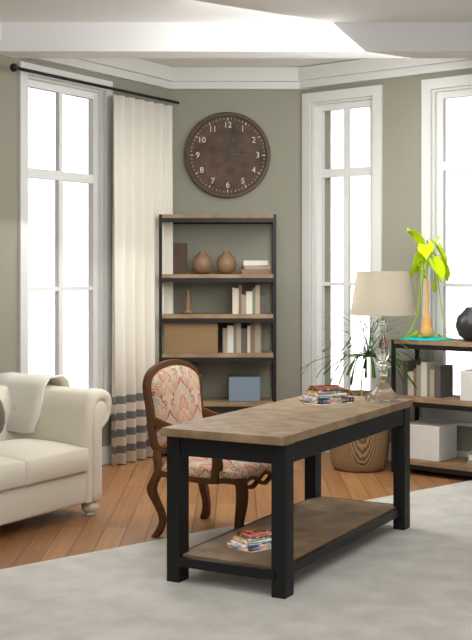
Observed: 3 h 02 min
